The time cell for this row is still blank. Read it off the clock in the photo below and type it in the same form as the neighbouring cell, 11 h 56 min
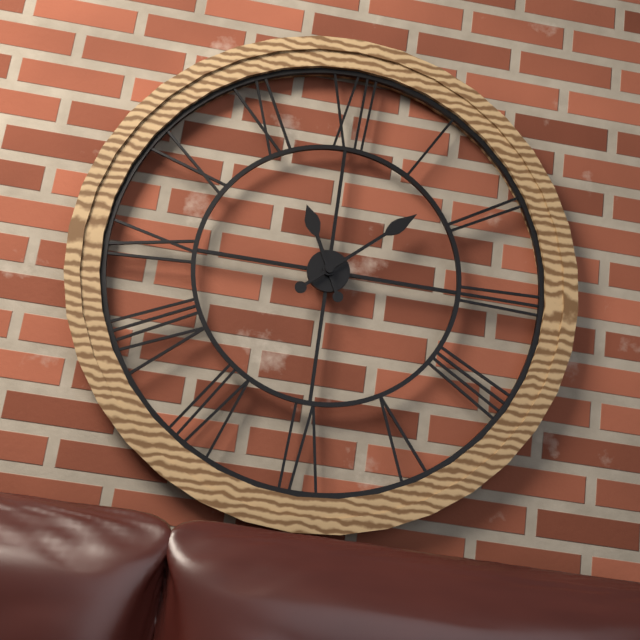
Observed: 11 h 08 min
